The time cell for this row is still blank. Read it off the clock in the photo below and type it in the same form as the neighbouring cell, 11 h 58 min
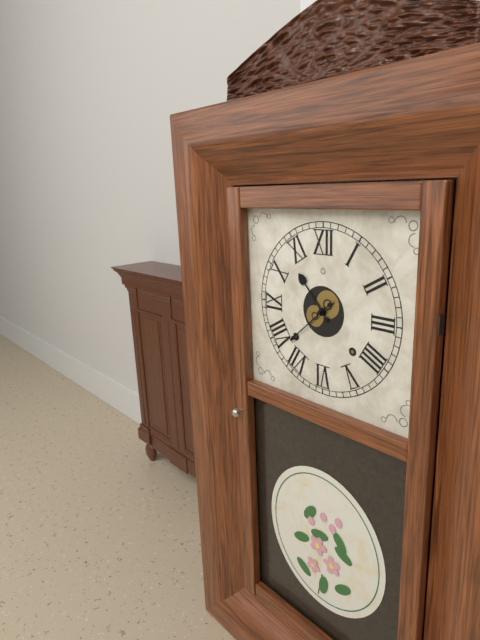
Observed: 10 h 38 min
